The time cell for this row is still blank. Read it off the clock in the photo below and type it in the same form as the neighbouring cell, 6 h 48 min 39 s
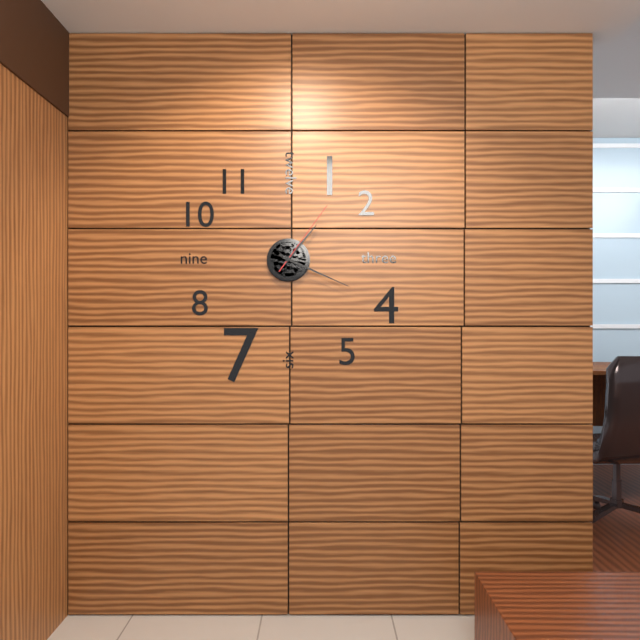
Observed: 1 h 19 min 06 s
